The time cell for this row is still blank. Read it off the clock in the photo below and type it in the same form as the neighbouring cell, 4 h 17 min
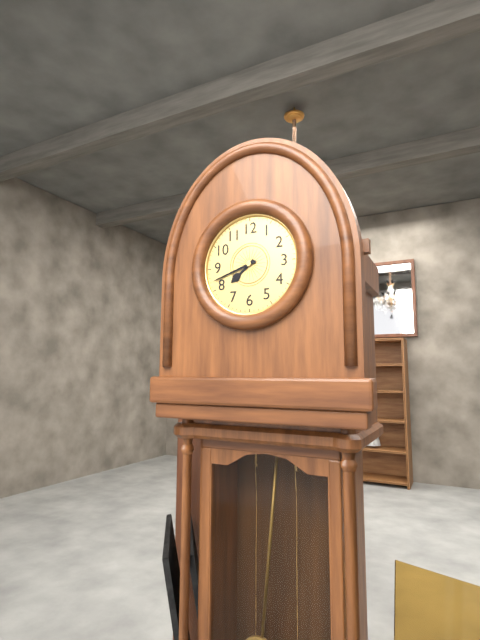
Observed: 7 h 42 min
